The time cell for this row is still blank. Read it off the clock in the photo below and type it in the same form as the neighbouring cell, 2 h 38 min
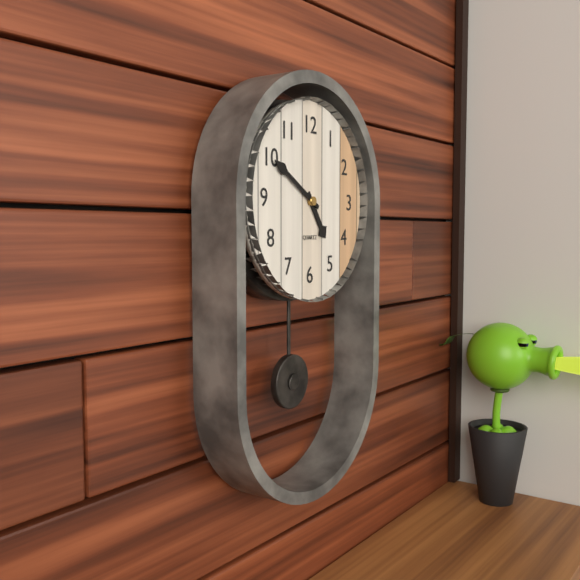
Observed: 4 h 50 min
